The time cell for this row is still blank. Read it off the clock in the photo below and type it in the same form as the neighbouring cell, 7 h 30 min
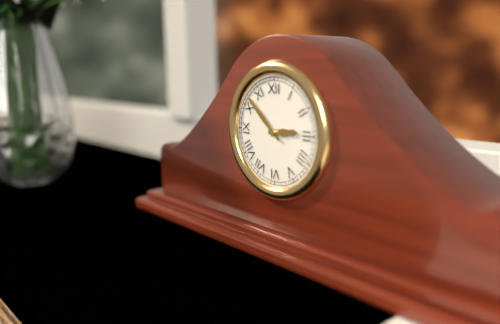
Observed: 2 h 52 min
